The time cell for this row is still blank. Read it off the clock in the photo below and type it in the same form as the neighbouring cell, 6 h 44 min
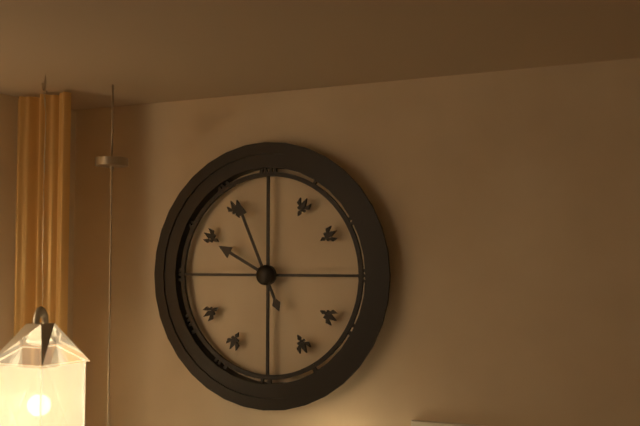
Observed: 9 h 56 min
